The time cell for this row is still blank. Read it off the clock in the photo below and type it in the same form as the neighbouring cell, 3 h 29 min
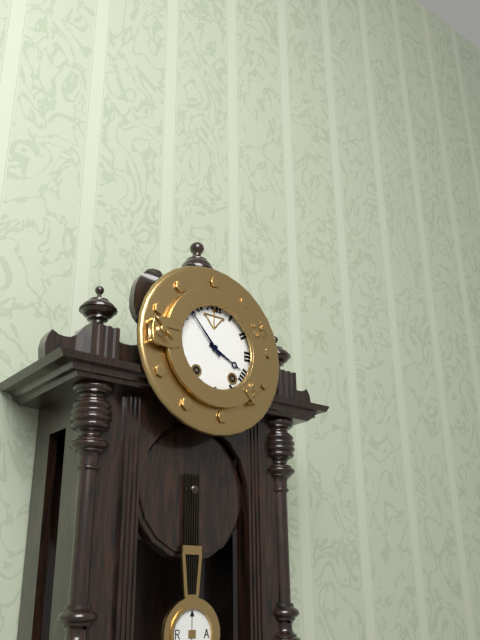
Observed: 3 h 53 min
